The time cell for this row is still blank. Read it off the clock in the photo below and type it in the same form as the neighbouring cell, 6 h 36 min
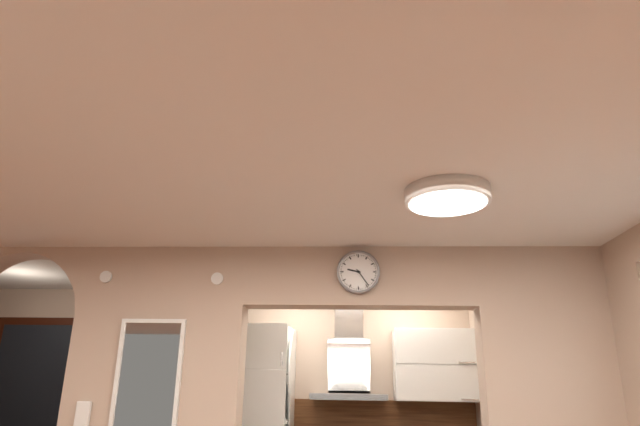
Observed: 9 h 24 min
